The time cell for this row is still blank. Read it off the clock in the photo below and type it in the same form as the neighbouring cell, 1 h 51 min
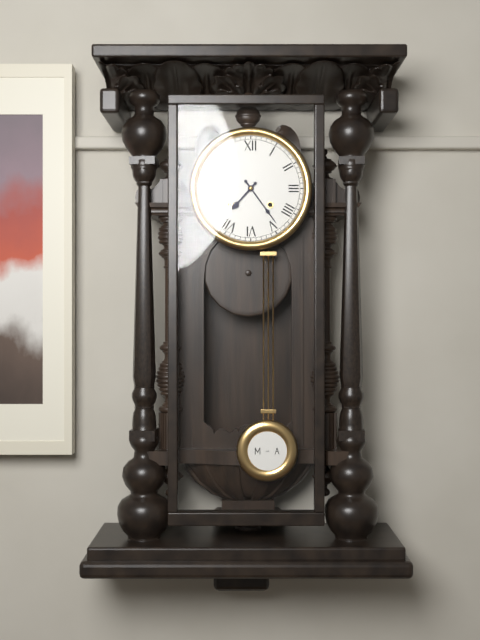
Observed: 7 h 24 min
